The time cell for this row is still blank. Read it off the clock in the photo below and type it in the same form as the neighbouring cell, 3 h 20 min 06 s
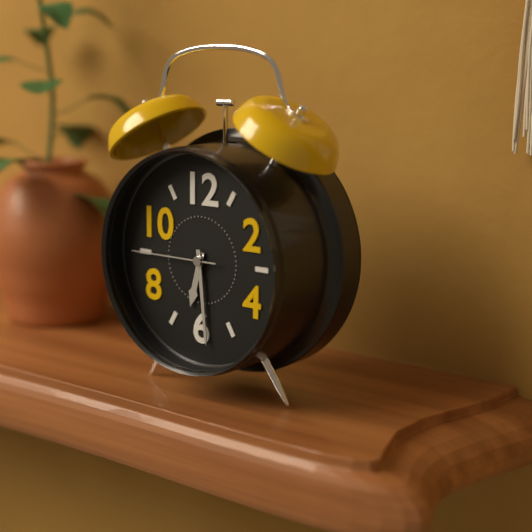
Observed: 6 h 29 min 45 s
